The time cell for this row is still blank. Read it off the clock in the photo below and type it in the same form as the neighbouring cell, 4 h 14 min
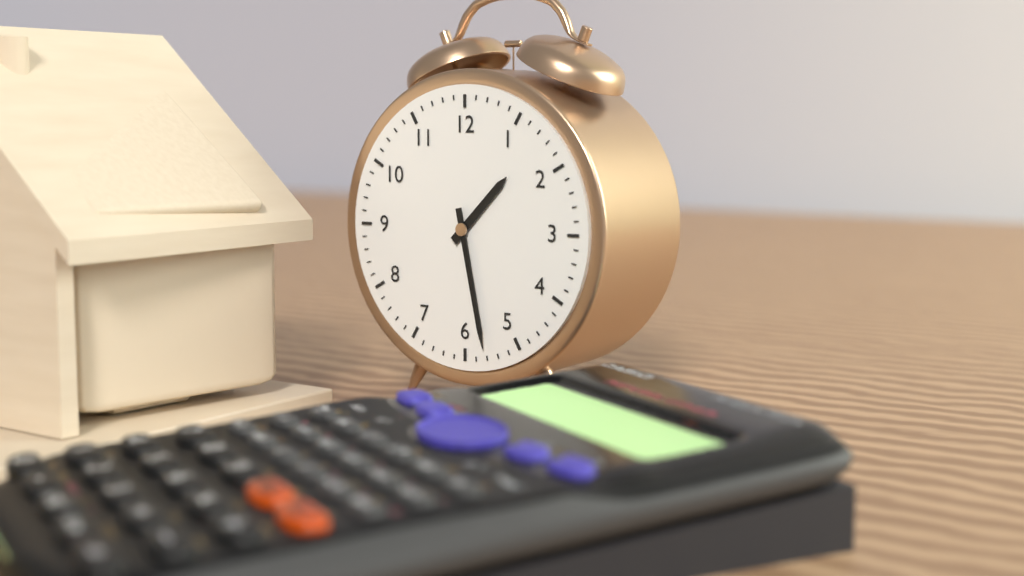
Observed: 1 h 28 min
